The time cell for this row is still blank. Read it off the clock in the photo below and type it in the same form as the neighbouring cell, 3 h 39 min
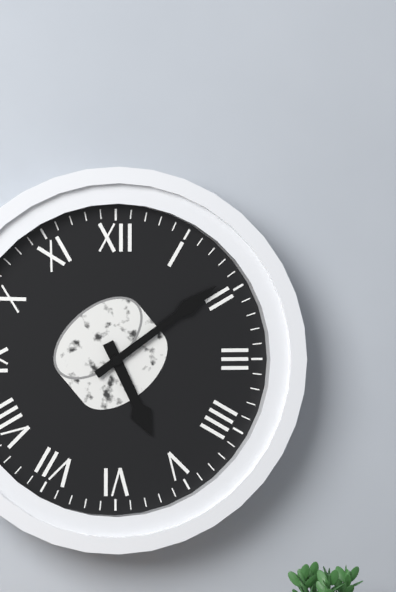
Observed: 5 h 09 min
